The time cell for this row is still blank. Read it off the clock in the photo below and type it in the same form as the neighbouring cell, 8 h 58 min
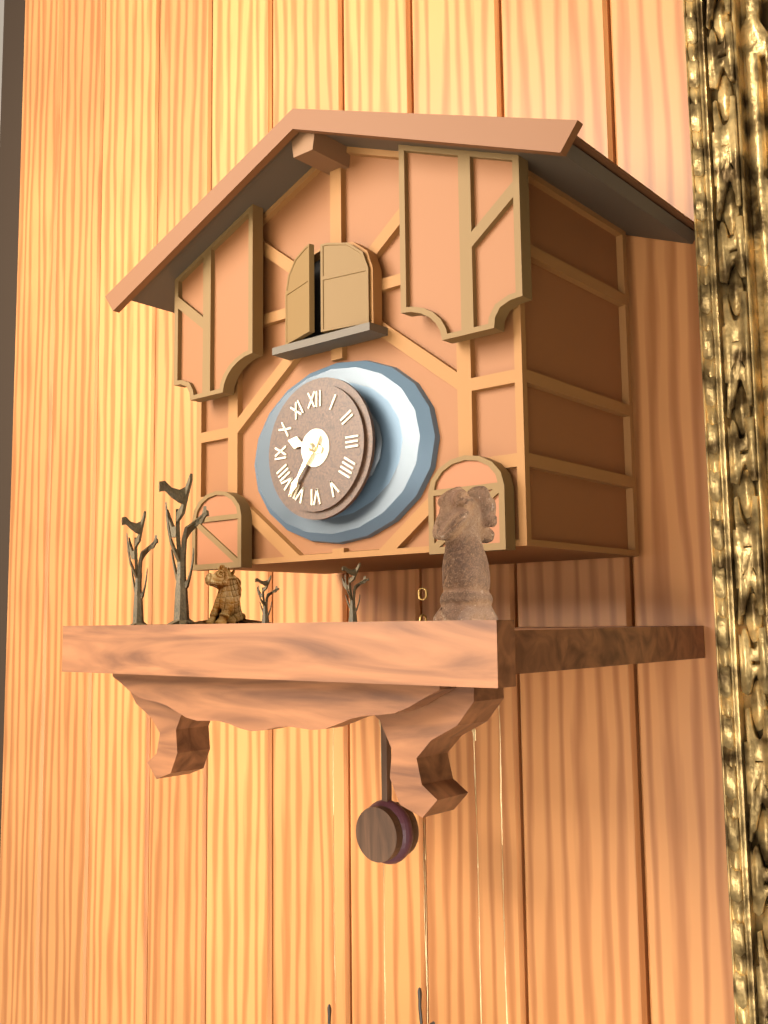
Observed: 9 h 36 min
